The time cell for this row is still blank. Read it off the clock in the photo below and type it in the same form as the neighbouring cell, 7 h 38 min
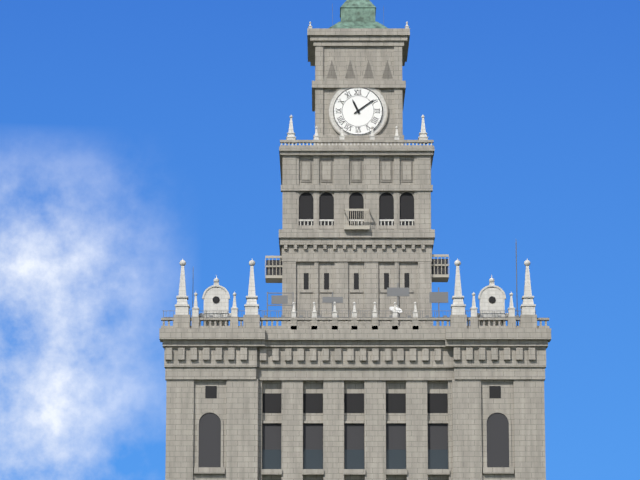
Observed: 11 h 09 min
